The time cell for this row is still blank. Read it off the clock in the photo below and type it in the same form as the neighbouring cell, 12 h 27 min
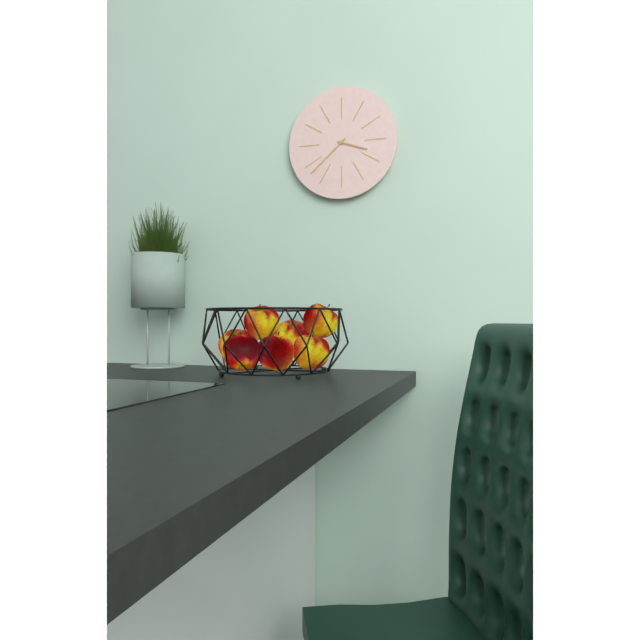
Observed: 3 h 38 min
